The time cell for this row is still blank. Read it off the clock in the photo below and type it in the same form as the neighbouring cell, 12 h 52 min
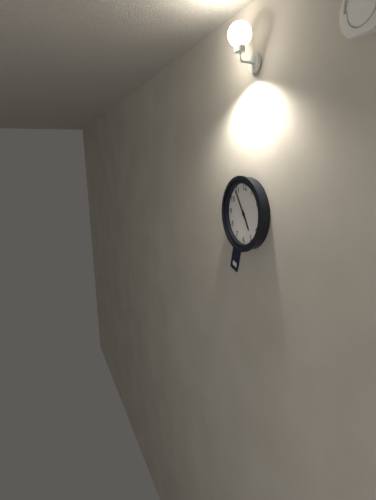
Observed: 4 h 54 min
